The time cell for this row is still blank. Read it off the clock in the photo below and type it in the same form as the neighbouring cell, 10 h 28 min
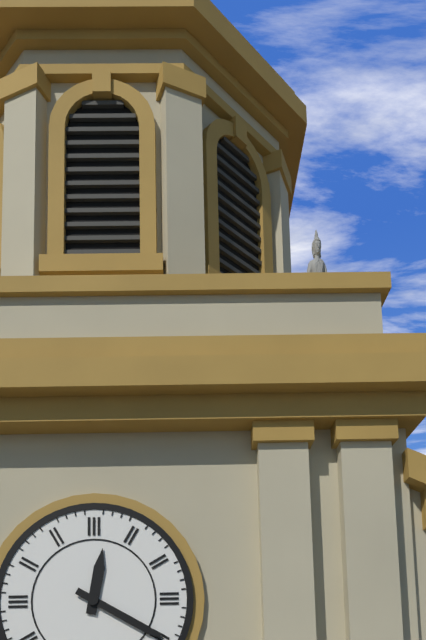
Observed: 12 h 20 min
